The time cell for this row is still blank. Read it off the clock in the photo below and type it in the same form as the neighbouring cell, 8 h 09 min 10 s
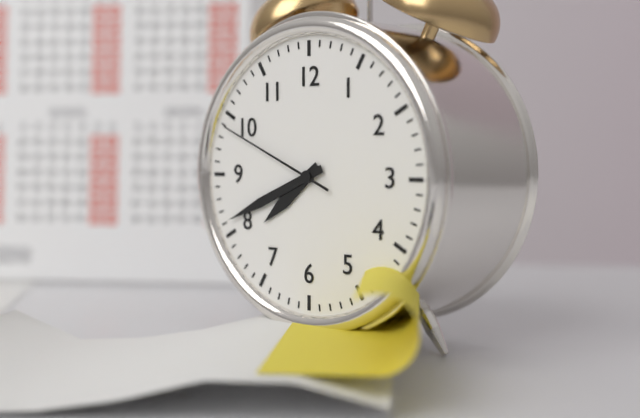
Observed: 7 h 41 min 49 s
